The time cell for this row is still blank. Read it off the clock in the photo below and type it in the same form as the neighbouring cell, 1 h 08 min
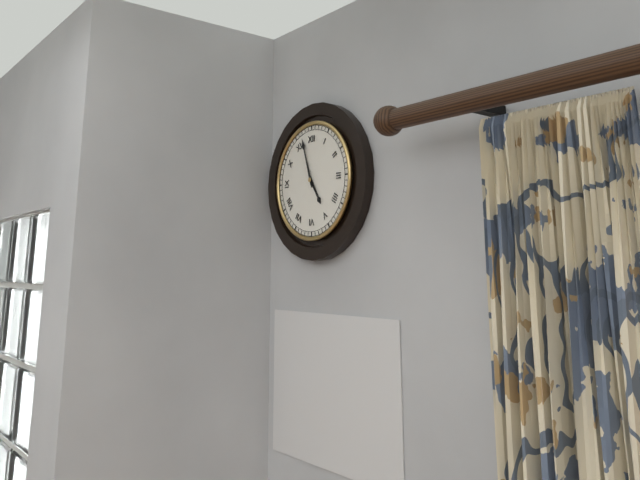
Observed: 4 h 57 min
